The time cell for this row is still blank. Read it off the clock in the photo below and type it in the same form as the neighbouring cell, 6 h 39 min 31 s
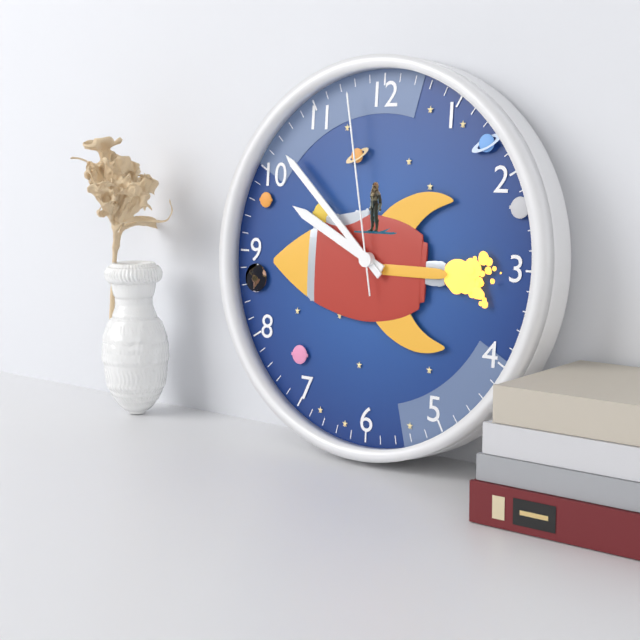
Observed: 9 h 52 min 58 s
